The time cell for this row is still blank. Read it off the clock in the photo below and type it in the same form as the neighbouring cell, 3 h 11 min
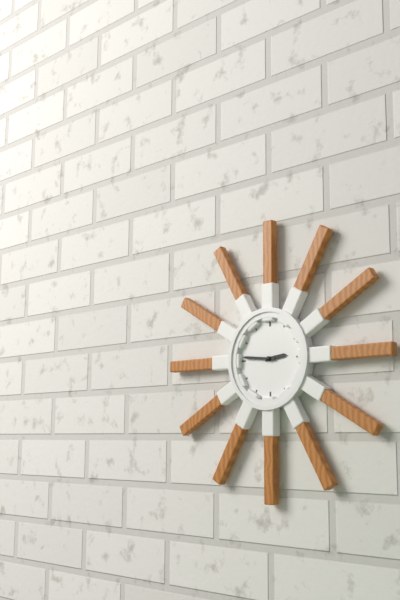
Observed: 2 h 46 min
